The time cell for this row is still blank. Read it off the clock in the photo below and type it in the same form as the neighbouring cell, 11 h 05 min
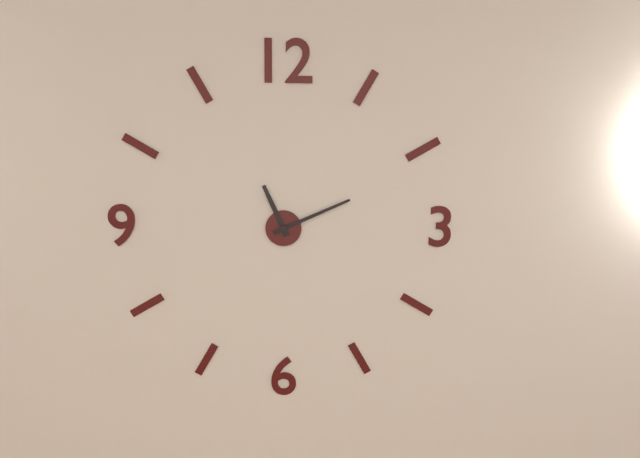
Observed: 11 h 11 min
